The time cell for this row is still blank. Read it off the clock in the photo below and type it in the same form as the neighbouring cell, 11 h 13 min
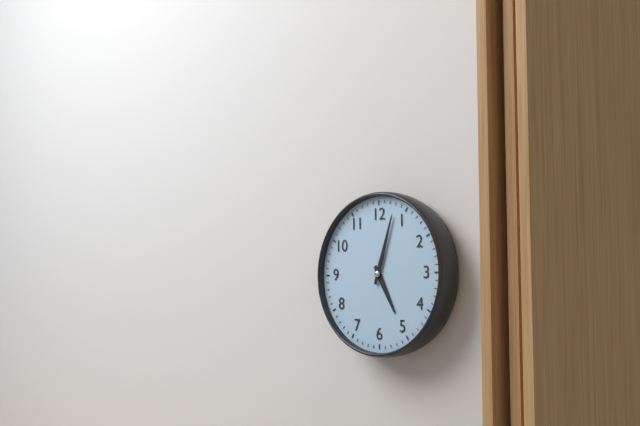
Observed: 5 h 03 min
